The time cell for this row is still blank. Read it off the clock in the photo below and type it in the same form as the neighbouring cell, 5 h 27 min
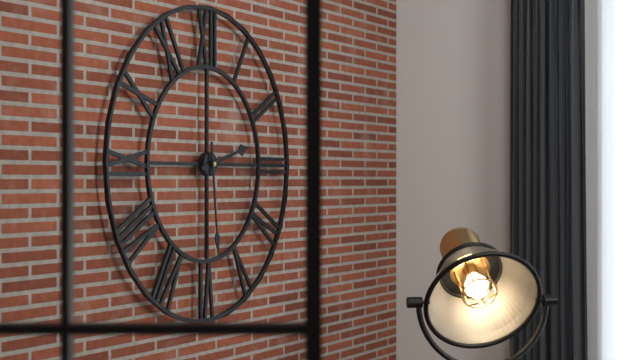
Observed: 2 h 29 min
